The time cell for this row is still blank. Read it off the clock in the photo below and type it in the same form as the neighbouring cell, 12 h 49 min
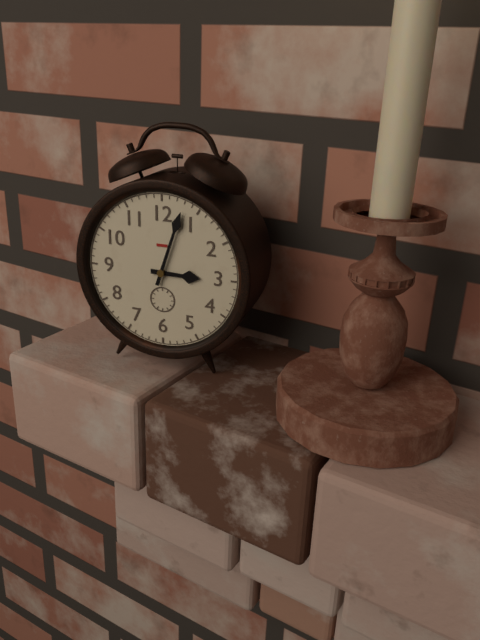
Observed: 3 h 03 min
